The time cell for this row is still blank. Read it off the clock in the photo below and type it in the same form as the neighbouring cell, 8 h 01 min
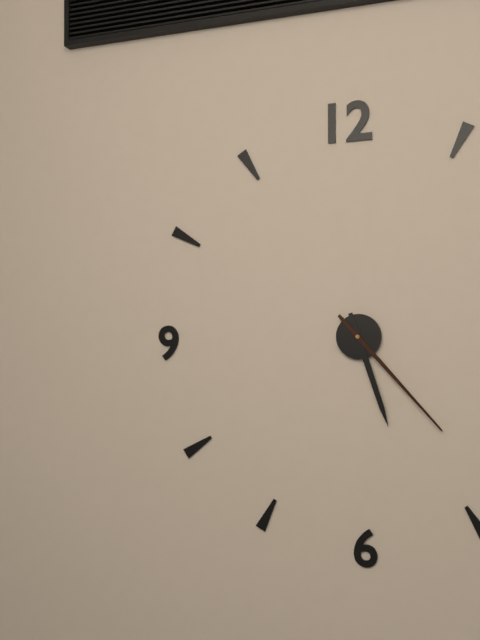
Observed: 5 h 23 min
